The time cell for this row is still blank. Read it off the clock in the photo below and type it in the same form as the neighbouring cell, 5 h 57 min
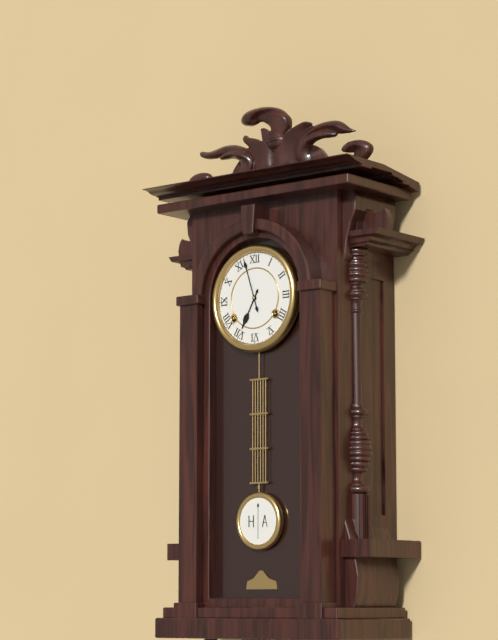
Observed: 6 h 57 min
